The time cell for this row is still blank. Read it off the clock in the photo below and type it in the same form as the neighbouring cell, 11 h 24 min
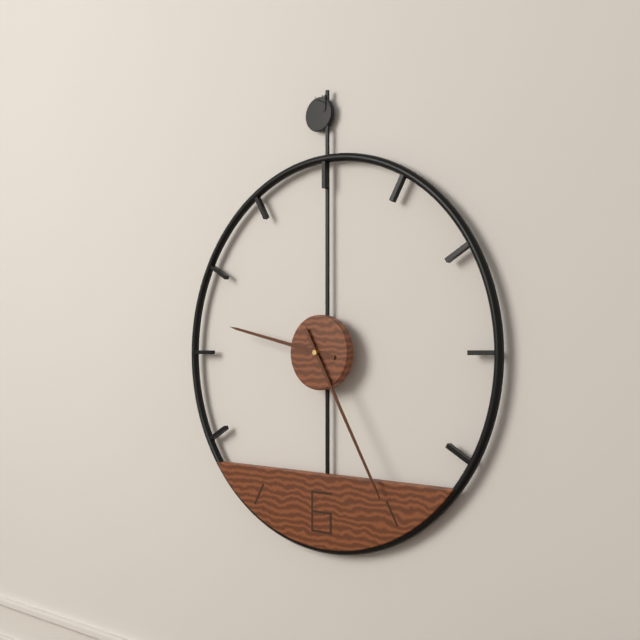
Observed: 9 h 25 min
